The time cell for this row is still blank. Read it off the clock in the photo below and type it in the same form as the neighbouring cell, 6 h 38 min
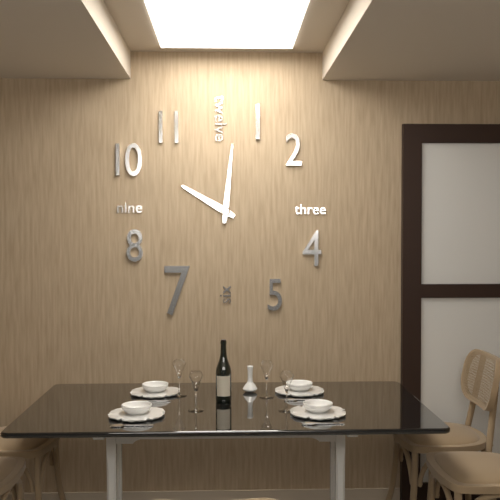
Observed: 10 h 01 min
